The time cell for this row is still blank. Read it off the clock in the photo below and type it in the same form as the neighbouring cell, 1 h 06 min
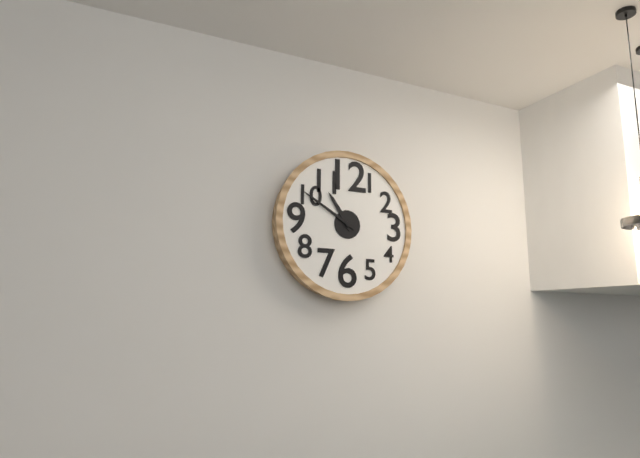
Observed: 10 h 50 min
